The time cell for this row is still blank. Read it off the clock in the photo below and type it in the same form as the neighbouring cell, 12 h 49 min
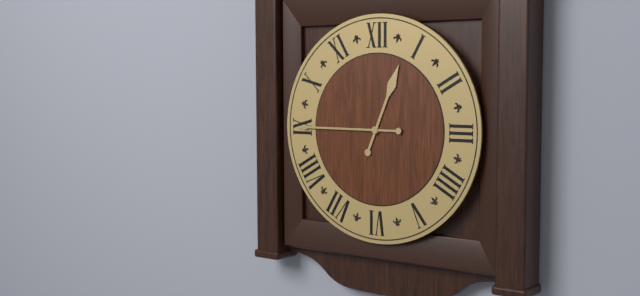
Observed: 12 h 45 min
